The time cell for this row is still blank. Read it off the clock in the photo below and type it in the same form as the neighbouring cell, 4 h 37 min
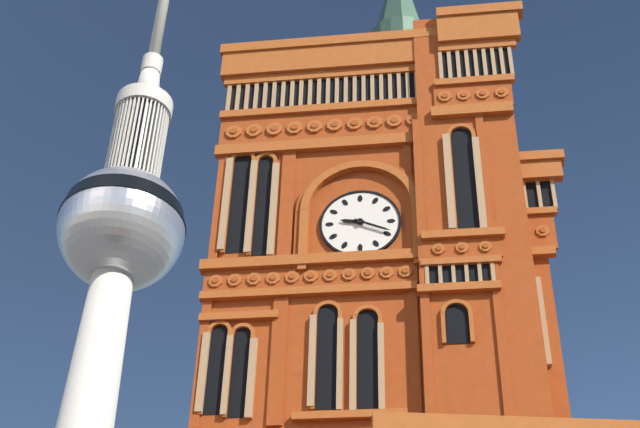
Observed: 9 h 19 min
